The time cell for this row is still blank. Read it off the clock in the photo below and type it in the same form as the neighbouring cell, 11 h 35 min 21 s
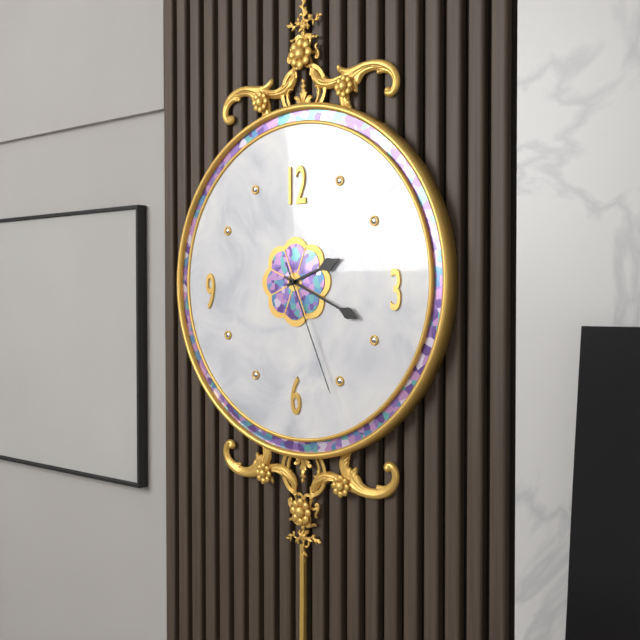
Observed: 2 h 19 min 26 s
